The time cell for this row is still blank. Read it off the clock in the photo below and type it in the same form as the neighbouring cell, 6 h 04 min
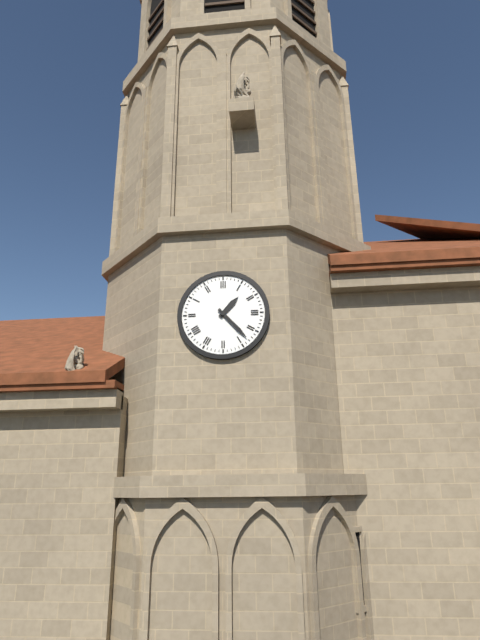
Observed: 1 h 23 min
